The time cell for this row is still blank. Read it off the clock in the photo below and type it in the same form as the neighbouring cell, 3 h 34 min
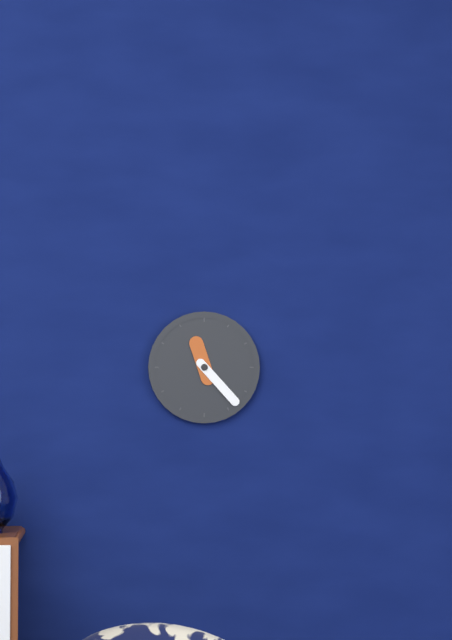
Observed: 11 h 23 min
